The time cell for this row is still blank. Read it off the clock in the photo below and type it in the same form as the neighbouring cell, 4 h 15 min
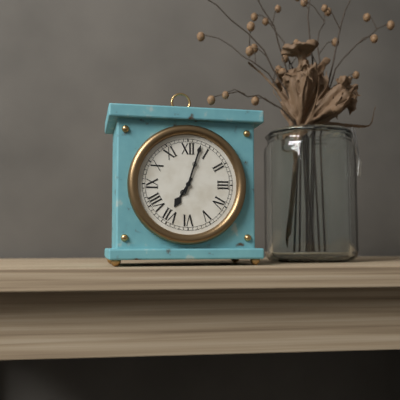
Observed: 7 h 03 min
